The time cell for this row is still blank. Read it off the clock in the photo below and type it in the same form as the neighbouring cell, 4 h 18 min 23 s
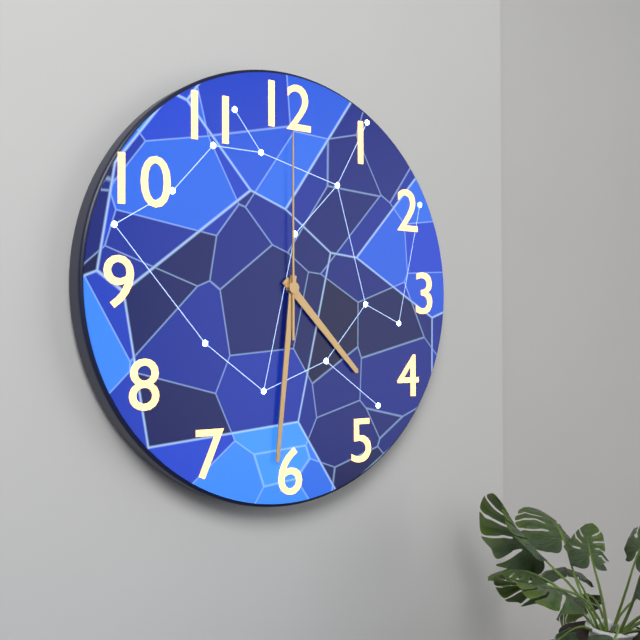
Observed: 4 h 31 min 00 s
